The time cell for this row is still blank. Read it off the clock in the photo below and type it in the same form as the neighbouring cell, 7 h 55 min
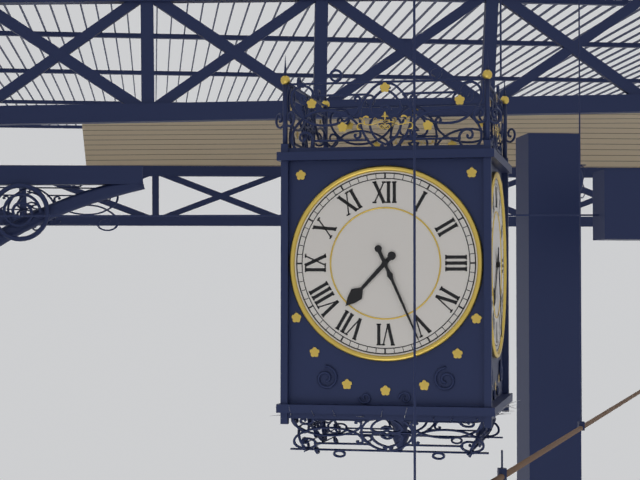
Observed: 7 h 26 min
